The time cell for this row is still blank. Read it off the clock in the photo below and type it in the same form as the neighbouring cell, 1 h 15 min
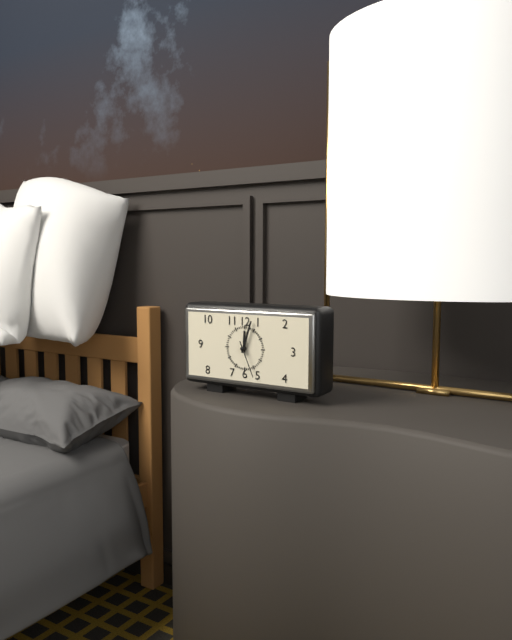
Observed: 12 h 03 min
